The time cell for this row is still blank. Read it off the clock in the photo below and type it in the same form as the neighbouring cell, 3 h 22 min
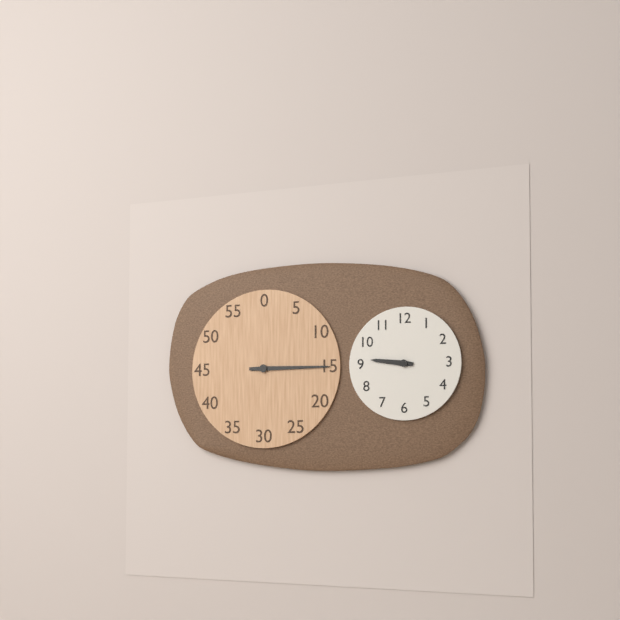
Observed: 9 h 15 min
